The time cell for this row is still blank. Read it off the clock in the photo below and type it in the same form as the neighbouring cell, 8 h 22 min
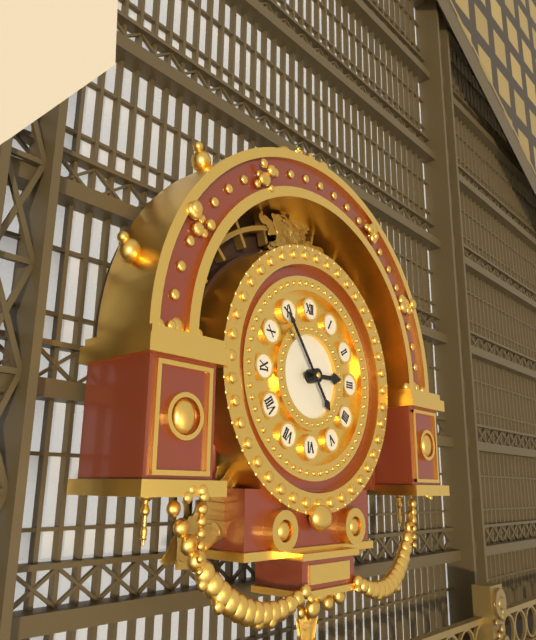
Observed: 2 h 54 min
